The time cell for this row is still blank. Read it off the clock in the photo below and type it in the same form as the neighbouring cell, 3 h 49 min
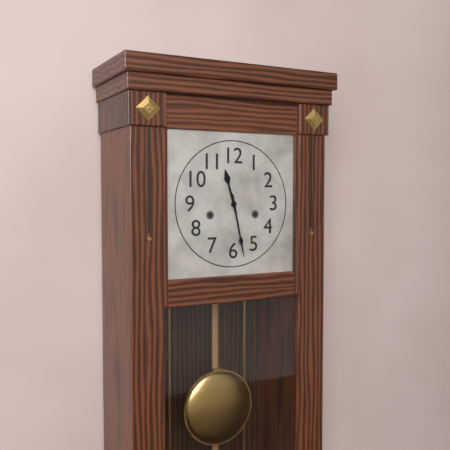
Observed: 11 h 28 min
